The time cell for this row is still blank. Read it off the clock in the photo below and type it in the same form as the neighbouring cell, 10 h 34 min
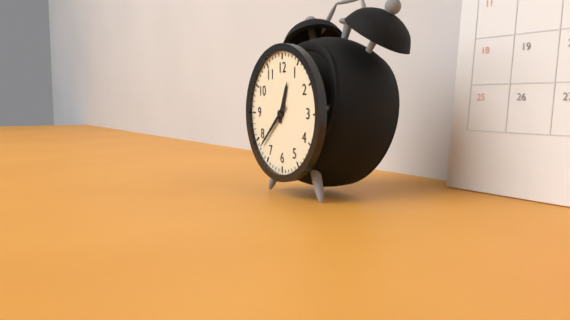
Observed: 12 h 38 min
